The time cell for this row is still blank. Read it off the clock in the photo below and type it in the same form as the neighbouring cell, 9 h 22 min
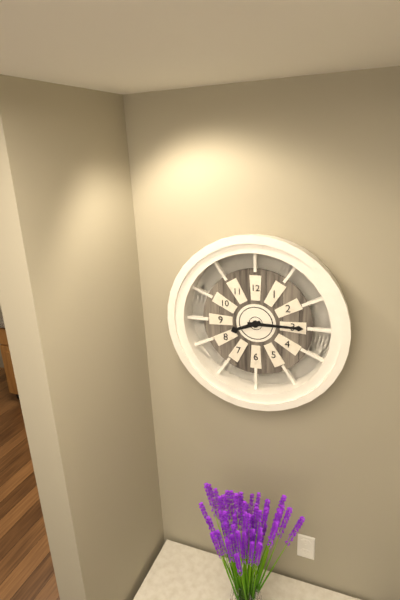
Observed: 8 h 15 min
